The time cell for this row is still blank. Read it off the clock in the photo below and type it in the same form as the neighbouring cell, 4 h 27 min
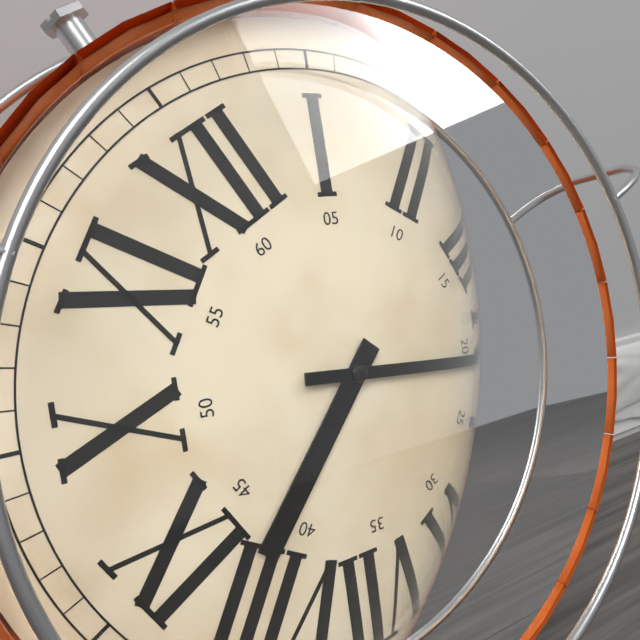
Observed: 8 h 21 min
